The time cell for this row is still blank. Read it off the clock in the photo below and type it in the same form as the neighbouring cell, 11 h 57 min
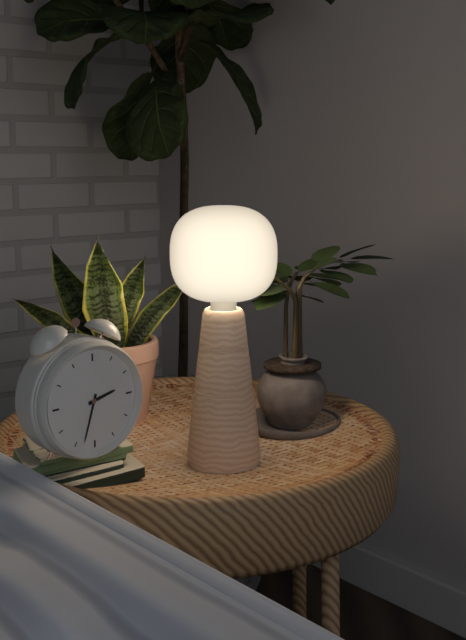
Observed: 2 h 33 min
